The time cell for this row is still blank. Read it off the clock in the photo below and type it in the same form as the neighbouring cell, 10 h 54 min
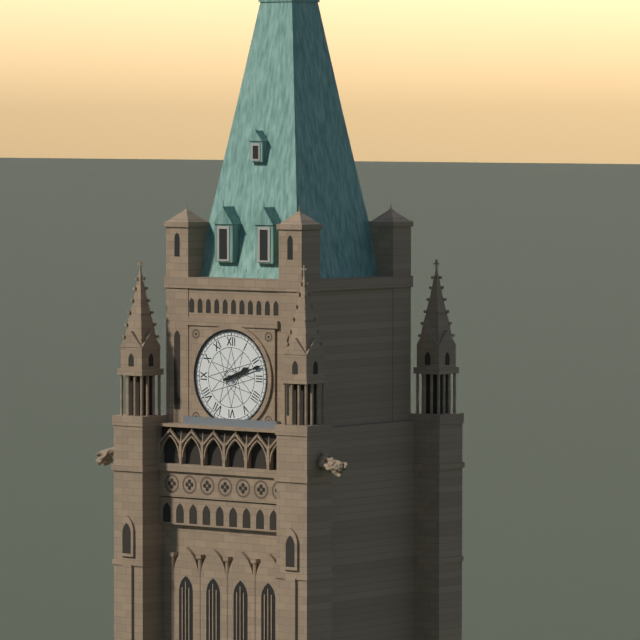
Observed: 2 h 12 min
